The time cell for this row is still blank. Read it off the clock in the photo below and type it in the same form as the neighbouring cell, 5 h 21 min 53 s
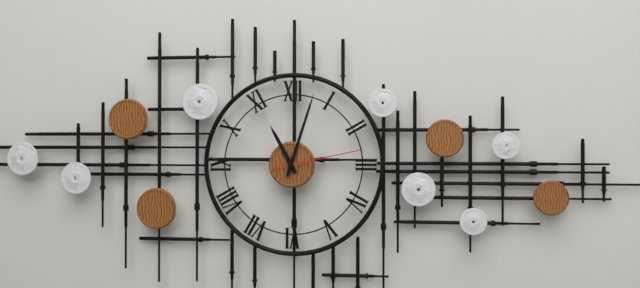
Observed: 11 h 03 min 13 s
